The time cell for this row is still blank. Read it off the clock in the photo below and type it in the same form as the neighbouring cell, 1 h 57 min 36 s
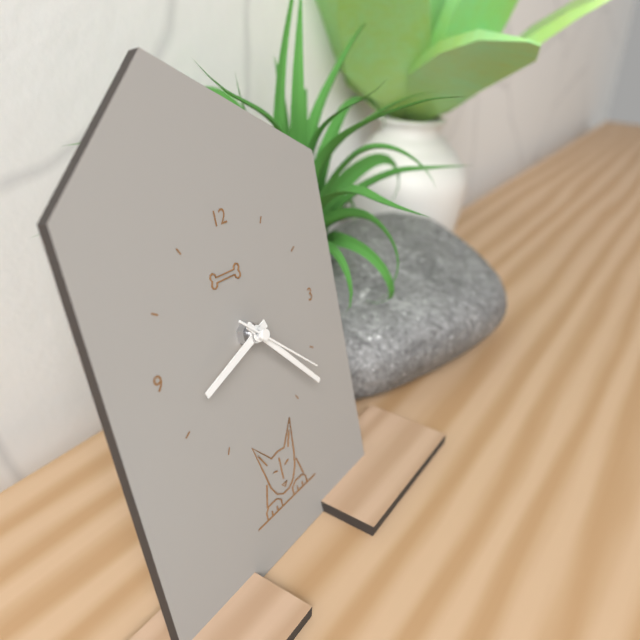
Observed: 8 h 23 min 22 s
